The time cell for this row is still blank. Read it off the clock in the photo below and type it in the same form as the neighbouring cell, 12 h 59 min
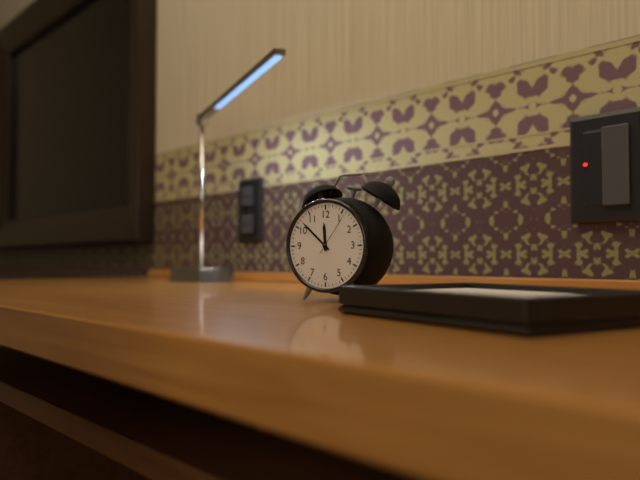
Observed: 11 h 52 min
